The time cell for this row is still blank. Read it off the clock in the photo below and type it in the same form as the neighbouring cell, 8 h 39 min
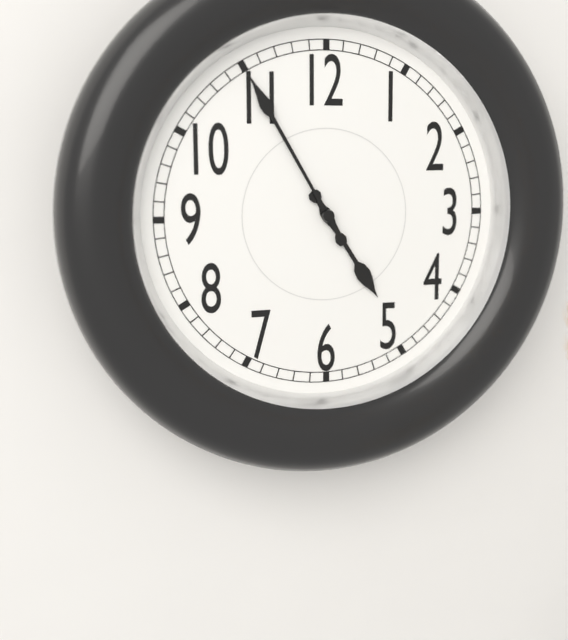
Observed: 4 h 55 min
